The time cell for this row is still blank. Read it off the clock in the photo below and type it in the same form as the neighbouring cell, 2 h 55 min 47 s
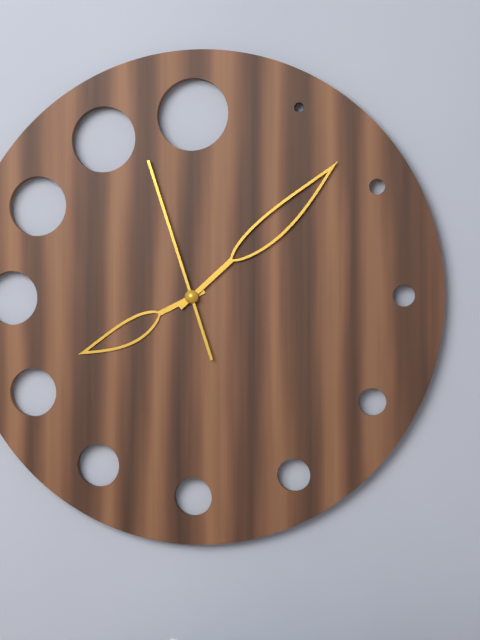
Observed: 8 h 08 min 57 s
